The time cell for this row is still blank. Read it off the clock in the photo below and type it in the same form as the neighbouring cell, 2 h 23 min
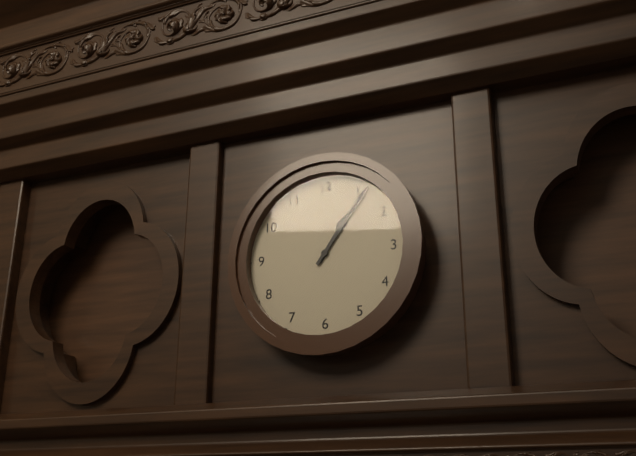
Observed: 1 h 06 min
